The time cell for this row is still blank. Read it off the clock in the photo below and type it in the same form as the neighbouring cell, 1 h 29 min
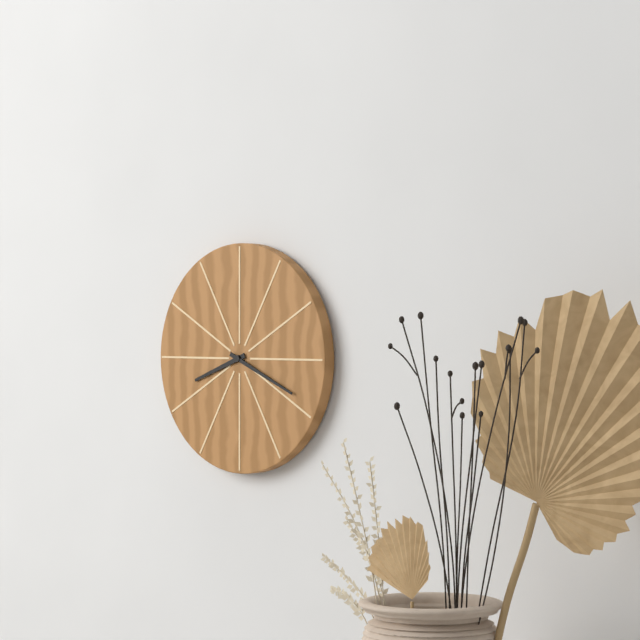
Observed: 8 h 19 min
